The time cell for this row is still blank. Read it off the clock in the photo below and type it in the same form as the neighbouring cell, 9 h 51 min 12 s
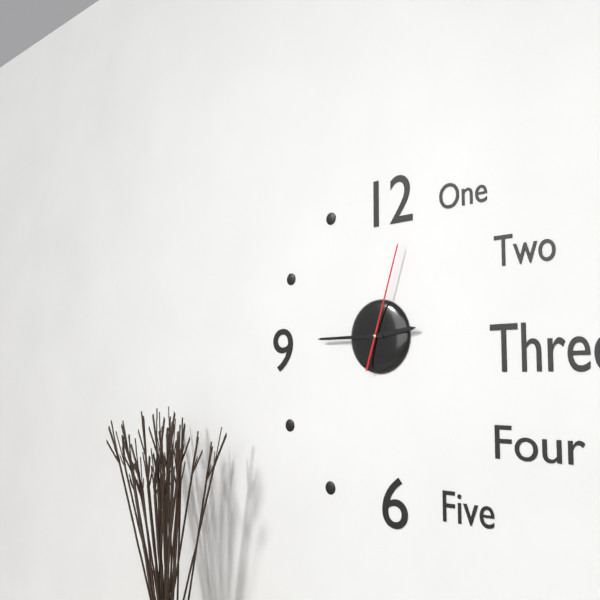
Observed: 2 h 45 min 03 s
